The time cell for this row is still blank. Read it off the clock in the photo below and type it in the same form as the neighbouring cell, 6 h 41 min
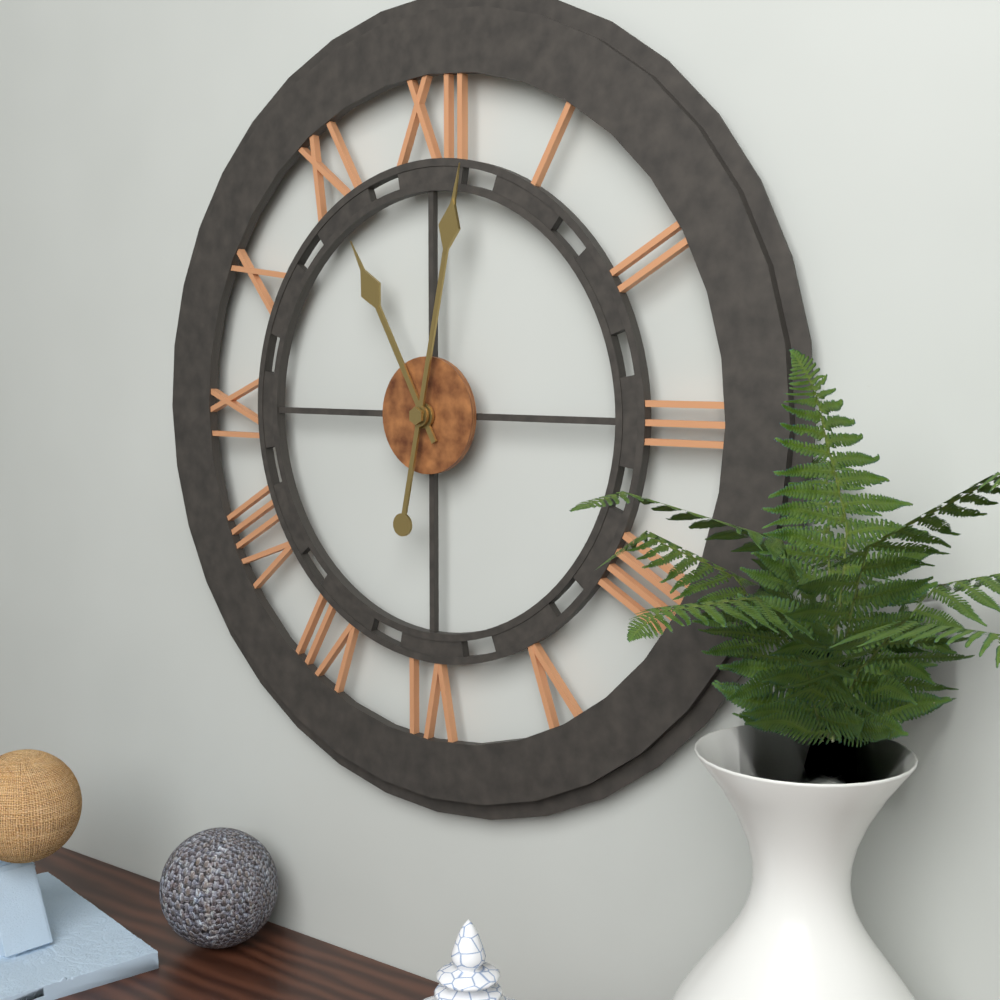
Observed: 11 h 02 min
